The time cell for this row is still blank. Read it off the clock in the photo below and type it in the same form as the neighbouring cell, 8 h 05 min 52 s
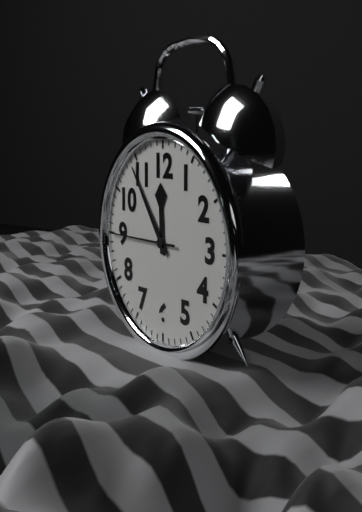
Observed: 11 h 54 min 45 s
